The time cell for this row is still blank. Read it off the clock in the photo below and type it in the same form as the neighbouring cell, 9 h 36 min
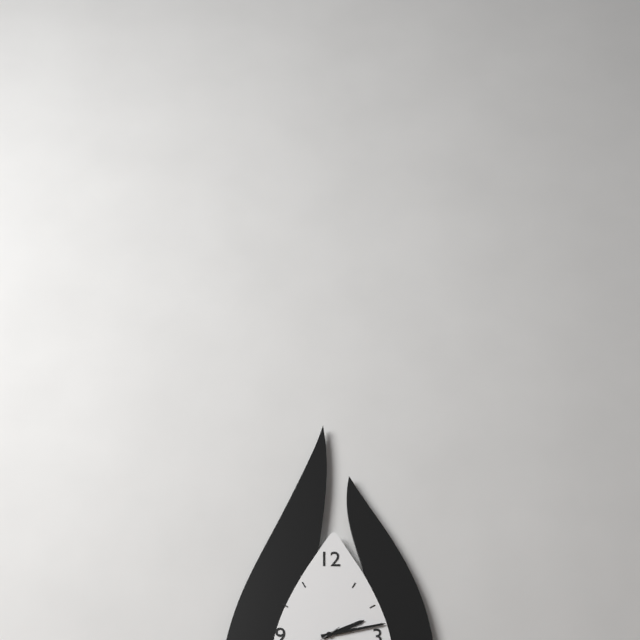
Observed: 2 h 13 min
